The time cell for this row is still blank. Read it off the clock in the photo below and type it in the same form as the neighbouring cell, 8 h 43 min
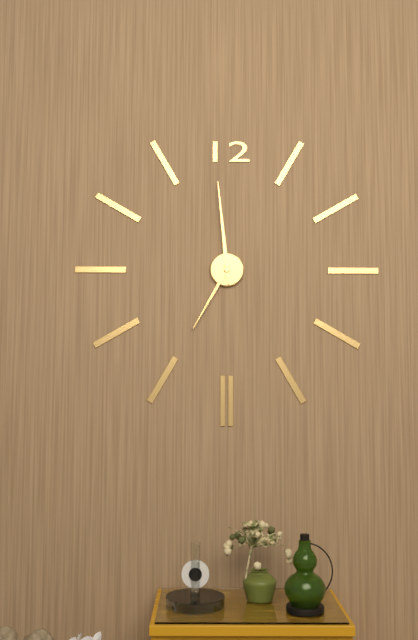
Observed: 6 h 59 min
